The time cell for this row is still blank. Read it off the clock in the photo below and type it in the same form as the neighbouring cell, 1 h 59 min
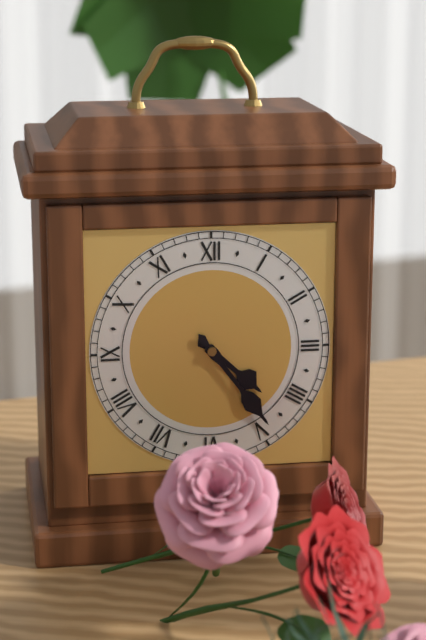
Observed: 4 h 24 min
